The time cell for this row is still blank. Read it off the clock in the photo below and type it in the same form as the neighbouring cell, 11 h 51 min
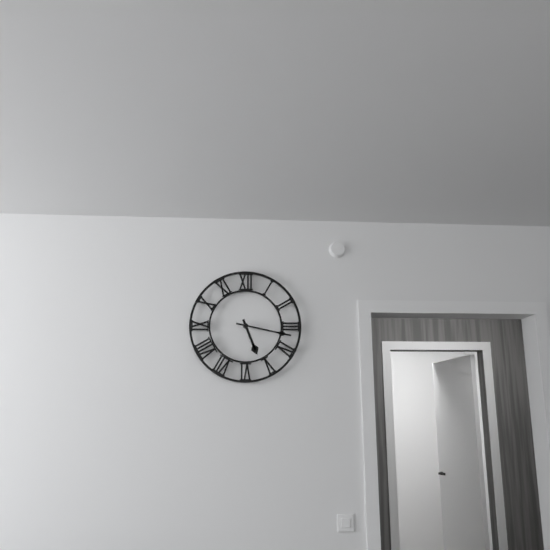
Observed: 5 h 17 min
